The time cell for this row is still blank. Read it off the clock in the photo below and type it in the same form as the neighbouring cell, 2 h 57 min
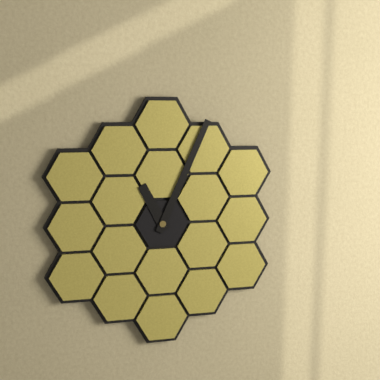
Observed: 11 h 04 min
